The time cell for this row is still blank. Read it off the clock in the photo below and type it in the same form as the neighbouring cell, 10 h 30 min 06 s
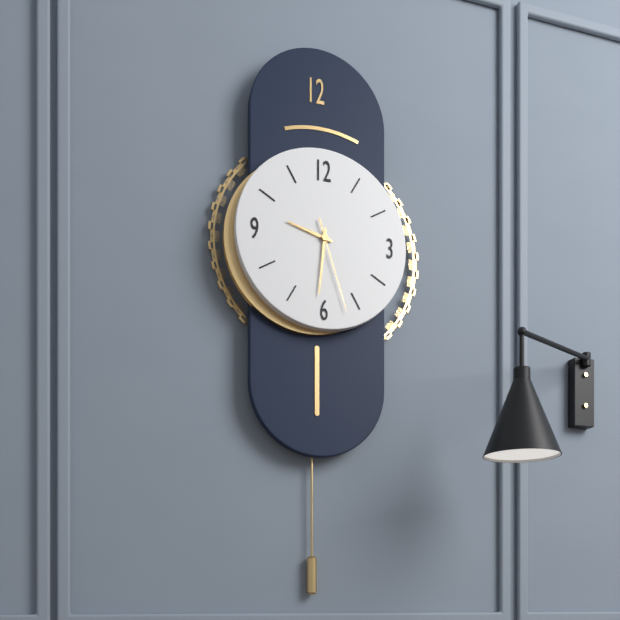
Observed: 9 h 31 min 27 s
